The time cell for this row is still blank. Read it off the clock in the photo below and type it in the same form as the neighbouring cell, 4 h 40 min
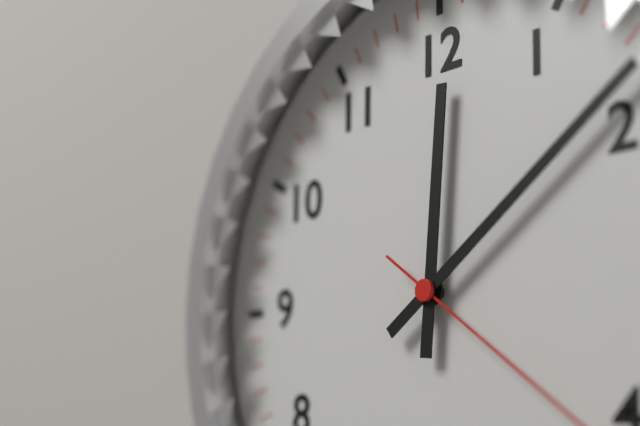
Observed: 12 h 09 min
